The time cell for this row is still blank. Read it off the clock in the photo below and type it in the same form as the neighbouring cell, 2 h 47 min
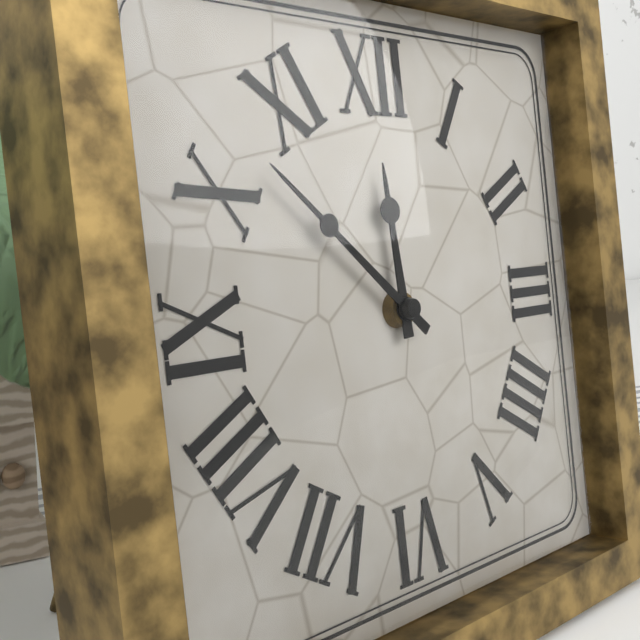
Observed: 11 h 52 min
